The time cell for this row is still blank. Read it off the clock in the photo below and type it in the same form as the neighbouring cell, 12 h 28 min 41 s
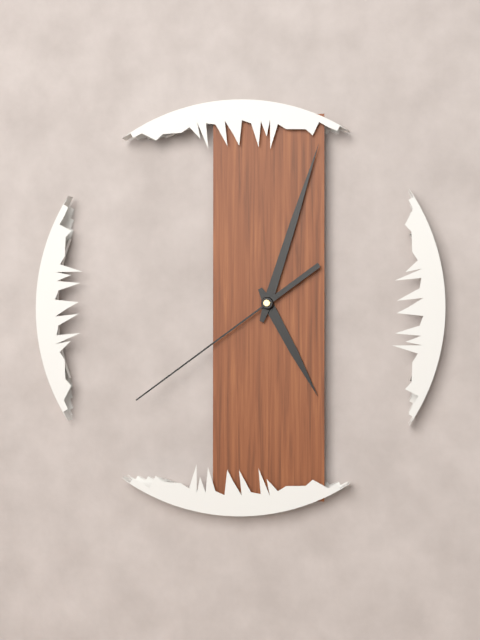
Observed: 5 h 03 min 39 s
